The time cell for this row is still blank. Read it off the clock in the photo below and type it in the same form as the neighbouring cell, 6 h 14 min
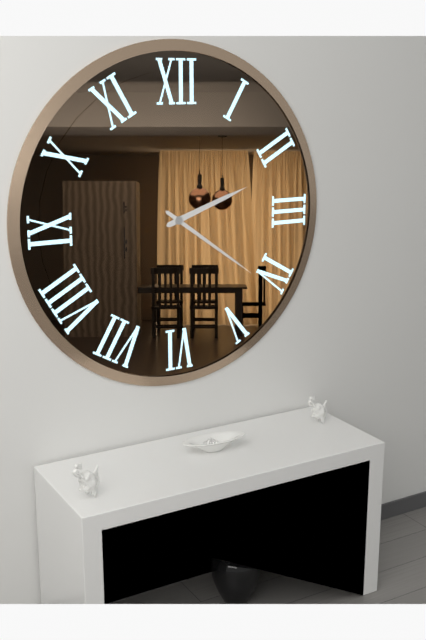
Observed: 2 h 21 min
